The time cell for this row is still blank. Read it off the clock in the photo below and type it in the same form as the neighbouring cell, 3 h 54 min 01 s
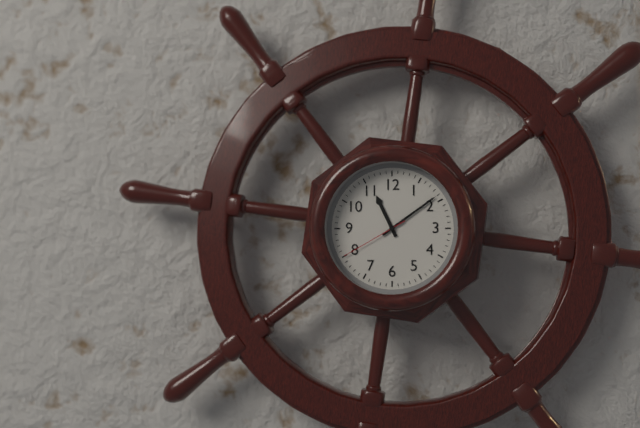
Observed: 11 h 09 min 40 s
